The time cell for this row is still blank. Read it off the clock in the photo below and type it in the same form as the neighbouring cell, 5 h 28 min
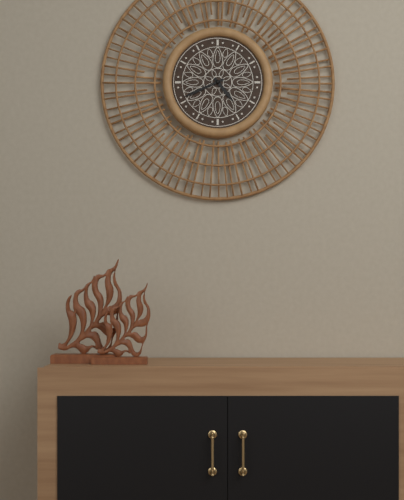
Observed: 4 h 41 min
